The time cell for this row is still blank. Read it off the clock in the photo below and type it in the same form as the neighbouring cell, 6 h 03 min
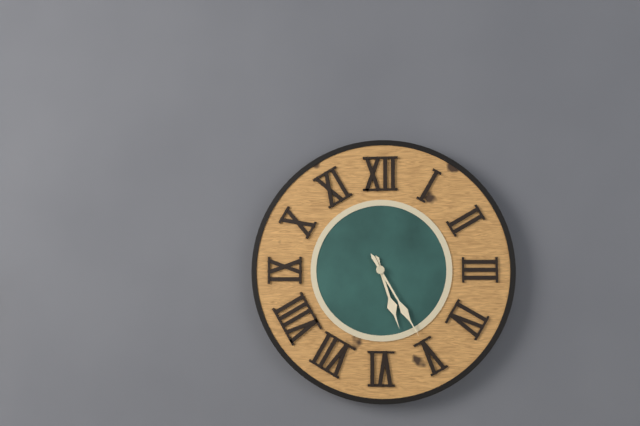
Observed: 5 h 25 min
